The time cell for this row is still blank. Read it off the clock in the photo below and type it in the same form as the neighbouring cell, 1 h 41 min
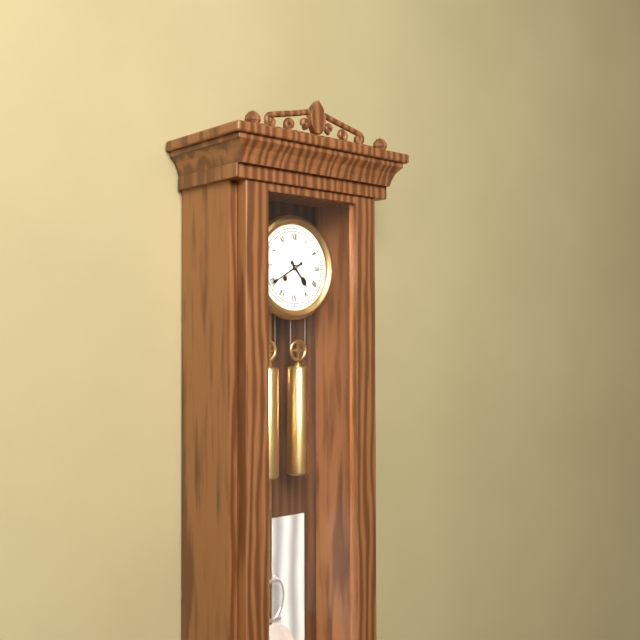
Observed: 4 h 40 min
